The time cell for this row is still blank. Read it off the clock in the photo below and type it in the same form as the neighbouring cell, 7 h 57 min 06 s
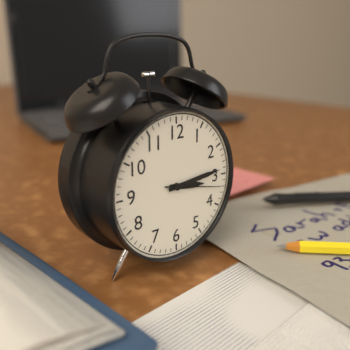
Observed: 3 h 14 min 17 s
